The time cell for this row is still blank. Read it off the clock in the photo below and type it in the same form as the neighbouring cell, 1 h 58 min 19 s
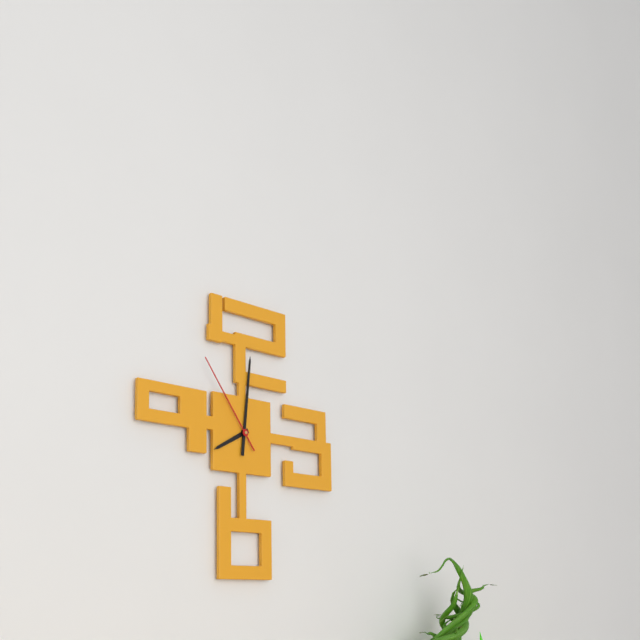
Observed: 8 h 01 min 54 s
